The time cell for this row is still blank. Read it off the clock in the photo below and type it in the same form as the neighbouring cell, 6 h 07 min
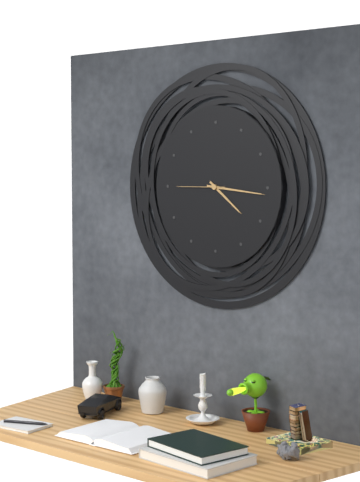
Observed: 4 h 16 min
